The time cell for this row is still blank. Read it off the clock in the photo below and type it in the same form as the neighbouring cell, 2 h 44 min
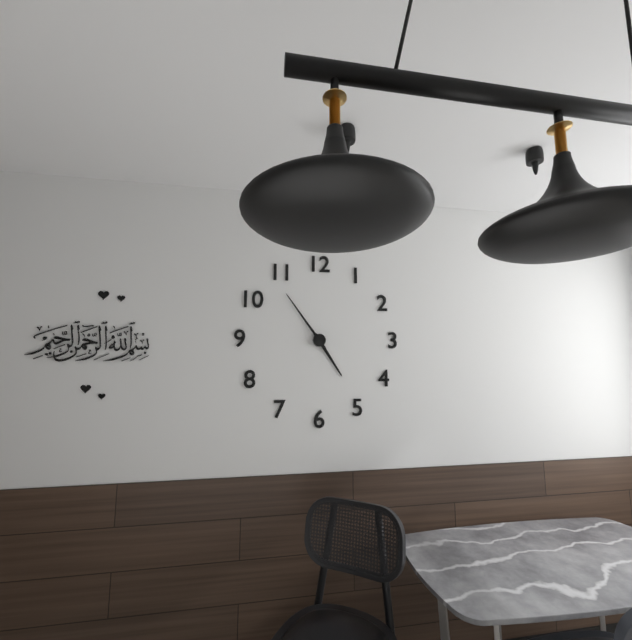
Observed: 4 h 54 min
